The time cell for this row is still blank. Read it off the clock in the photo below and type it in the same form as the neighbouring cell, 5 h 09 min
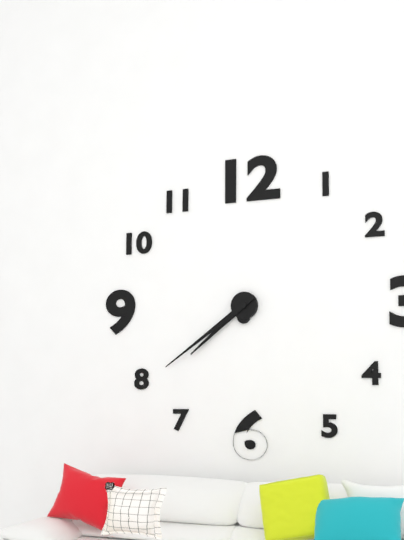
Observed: 7 h 39 min
